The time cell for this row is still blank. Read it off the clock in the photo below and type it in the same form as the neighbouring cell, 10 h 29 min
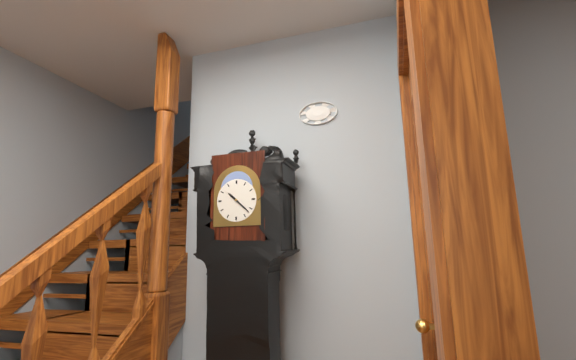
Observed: 10 h 22 min
